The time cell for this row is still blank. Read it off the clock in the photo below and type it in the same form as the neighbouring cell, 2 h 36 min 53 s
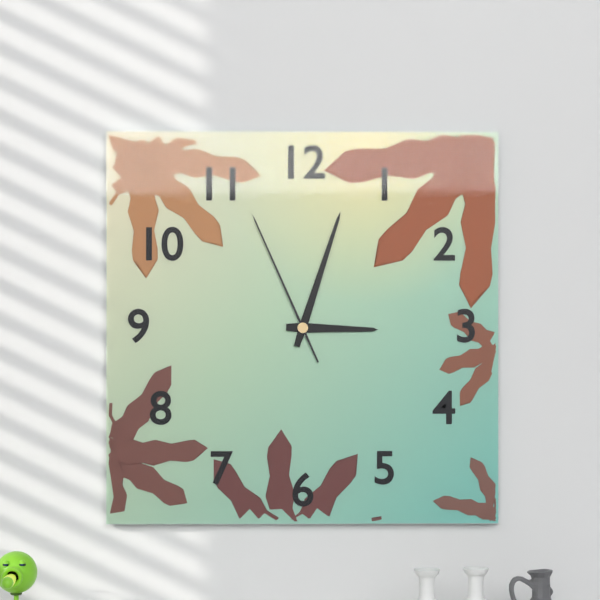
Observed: 3 h 03 min 56 s
